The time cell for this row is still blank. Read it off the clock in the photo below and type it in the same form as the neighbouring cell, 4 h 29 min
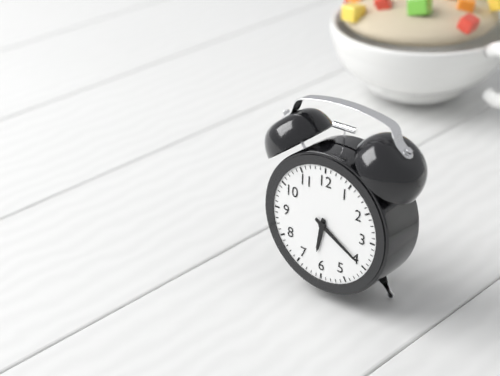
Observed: 6 h 20 min
